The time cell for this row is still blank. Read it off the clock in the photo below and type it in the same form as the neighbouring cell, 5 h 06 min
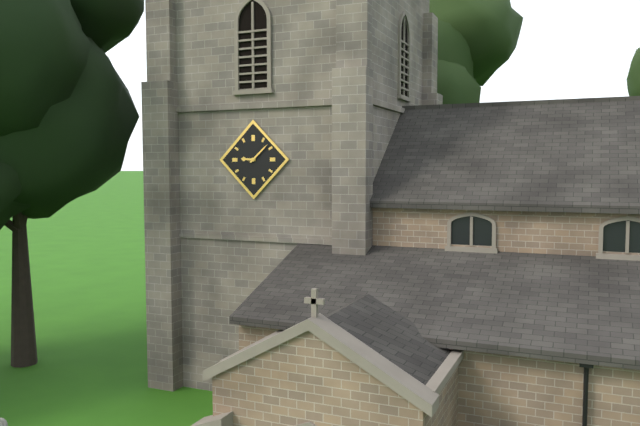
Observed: 9 h 08 min
